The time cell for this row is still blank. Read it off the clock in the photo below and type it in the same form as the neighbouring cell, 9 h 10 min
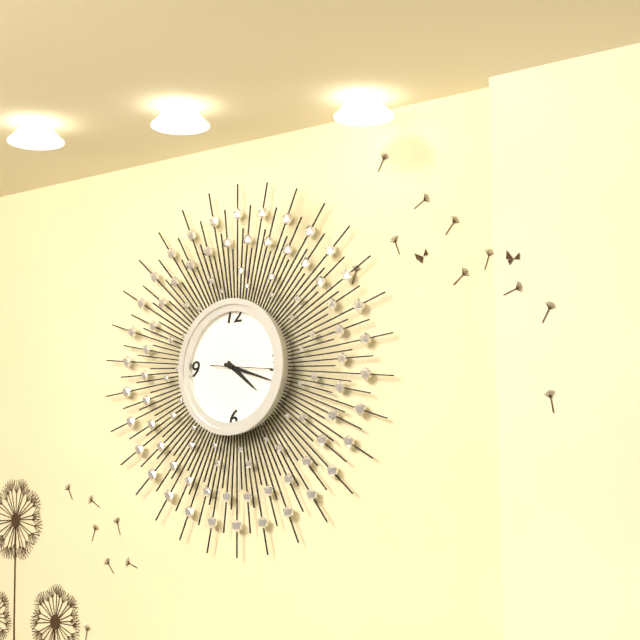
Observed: 4 h 18 min
